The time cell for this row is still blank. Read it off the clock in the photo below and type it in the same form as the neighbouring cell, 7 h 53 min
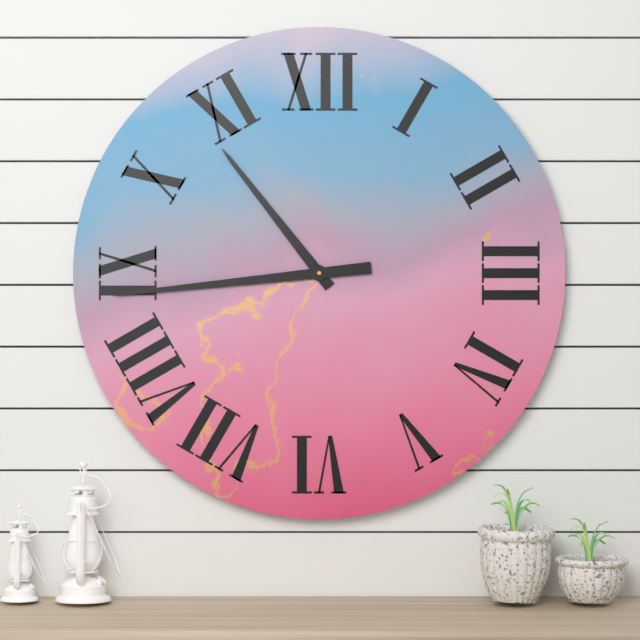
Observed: 10 h 44 min
